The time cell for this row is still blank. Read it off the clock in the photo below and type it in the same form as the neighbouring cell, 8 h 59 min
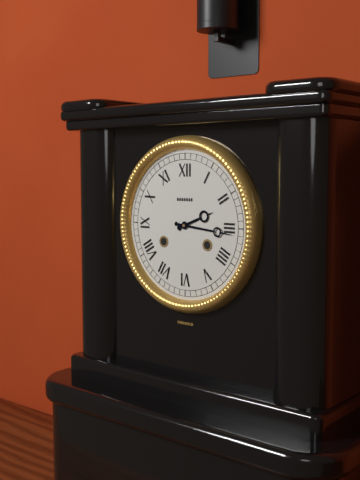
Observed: 2 h 16 min
